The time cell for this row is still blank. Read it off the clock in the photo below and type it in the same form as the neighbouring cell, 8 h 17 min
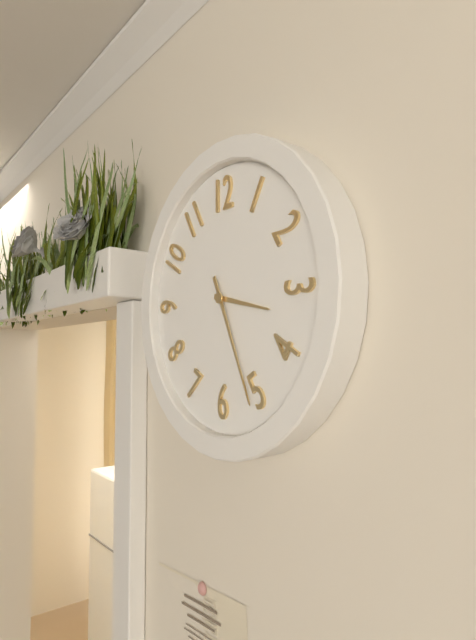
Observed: 3 h 26 min
